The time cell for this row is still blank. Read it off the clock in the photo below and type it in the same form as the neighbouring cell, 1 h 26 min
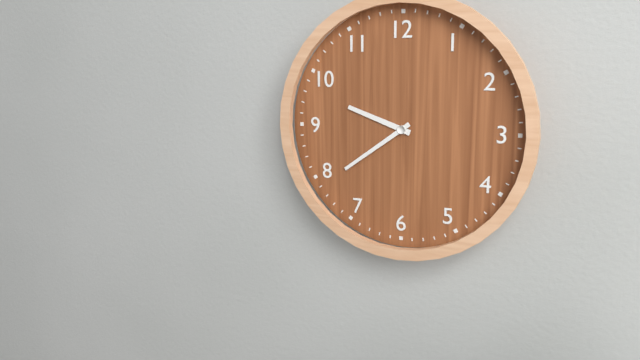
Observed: 9 h 39 min
